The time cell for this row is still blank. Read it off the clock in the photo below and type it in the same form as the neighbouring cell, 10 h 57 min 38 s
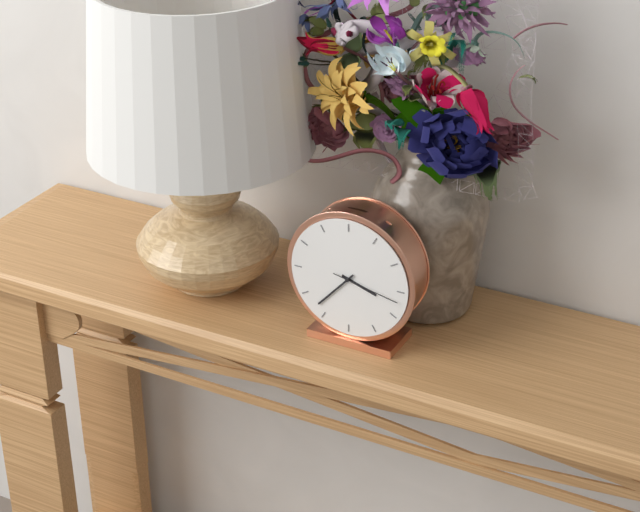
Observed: 3 h 37 min 17 s
